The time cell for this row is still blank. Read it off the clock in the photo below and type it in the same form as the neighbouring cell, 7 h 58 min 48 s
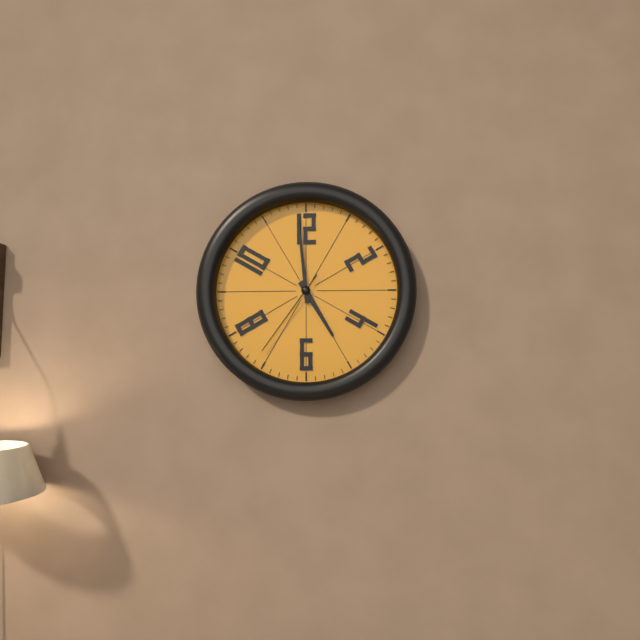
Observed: 4 h 59 min 36 s
